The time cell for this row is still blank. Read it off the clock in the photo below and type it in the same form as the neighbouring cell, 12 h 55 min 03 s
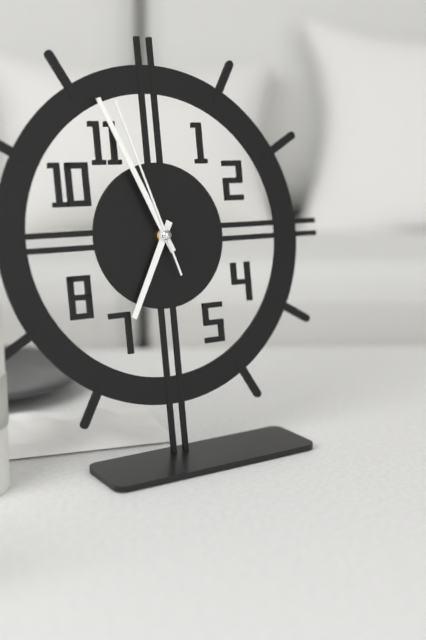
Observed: 6 h 56 min 57 s
